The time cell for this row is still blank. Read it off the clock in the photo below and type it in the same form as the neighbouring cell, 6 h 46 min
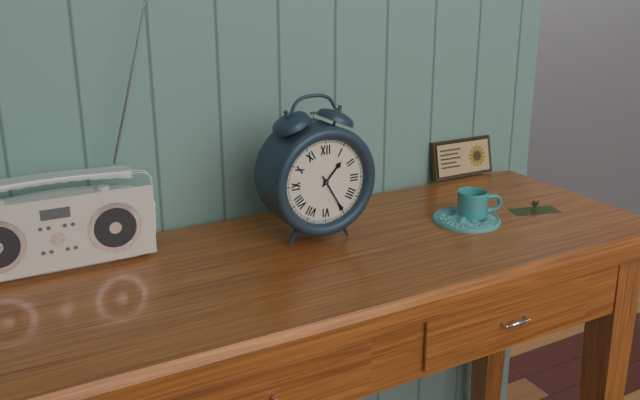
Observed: 1 h 25 min
